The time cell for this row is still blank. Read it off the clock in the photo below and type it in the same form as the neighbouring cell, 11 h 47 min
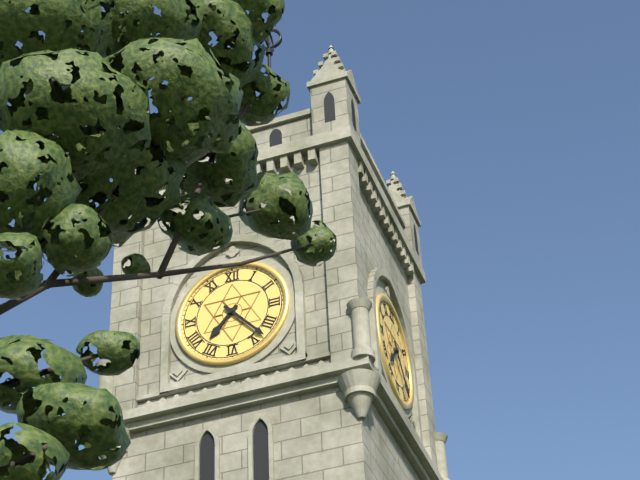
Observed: 7 h 23 min
